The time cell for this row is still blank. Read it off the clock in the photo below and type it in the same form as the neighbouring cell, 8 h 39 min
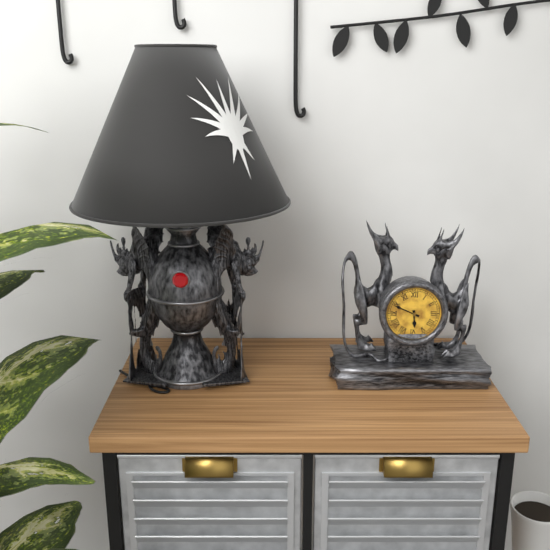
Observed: 5 h 49 min
